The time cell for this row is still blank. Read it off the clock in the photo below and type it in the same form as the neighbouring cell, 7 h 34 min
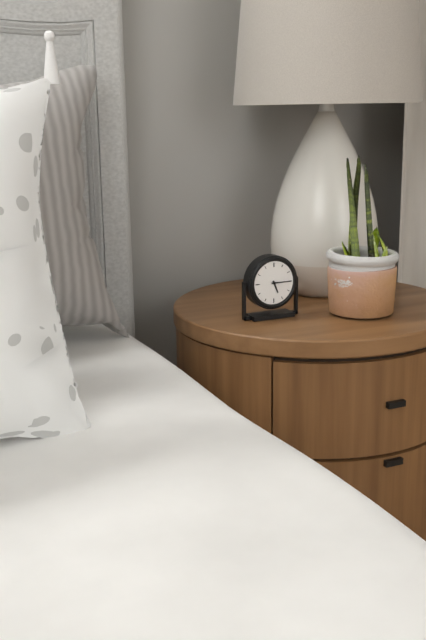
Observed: 5 h 15 min
